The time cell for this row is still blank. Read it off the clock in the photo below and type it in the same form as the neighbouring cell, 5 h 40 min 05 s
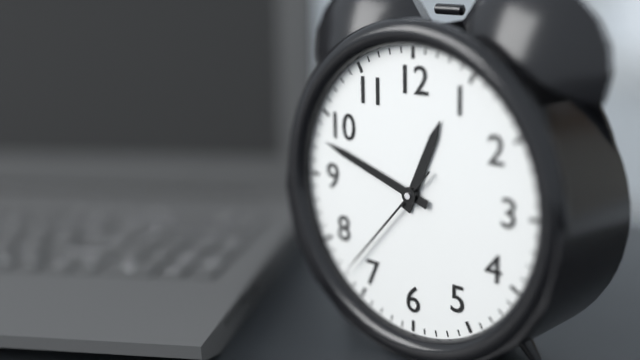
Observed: 12 h 48 min 37 s
